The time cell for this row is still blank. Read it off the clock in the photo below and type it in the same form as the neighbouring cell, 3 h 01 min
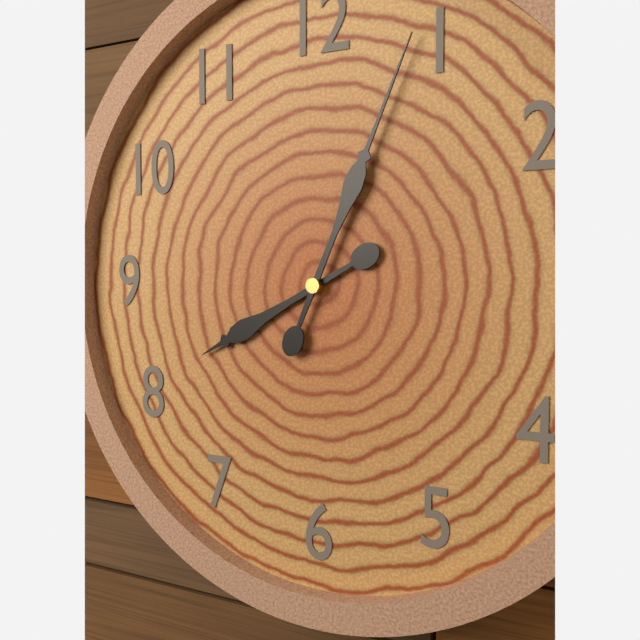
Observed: 8 h 04 min
